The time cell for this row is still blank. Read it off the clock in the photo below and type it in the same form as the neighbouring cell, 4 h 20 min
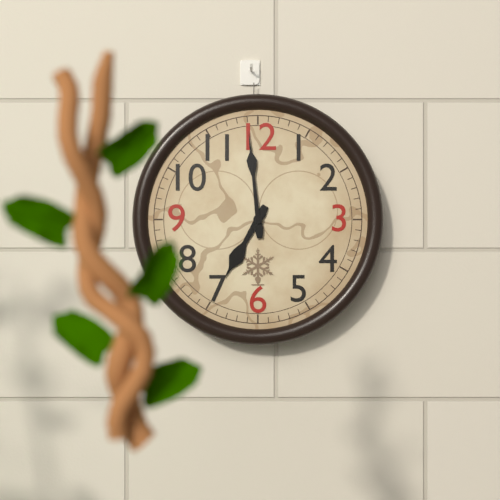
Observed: 6 h 59 min
